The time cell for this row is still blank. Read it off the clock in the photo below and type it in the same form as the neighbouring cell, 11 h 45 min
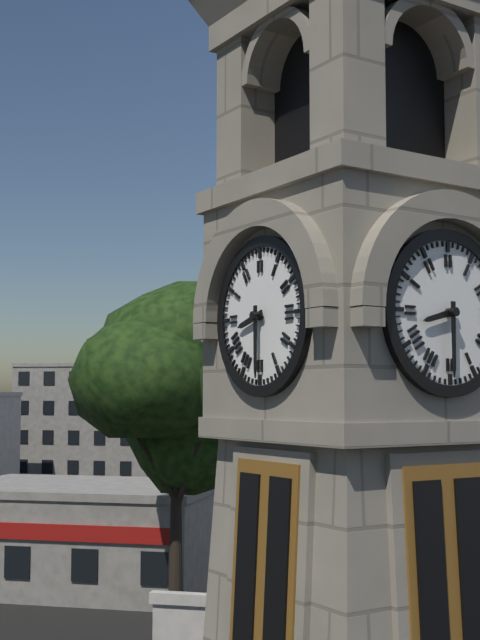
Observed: 8 h 30 min
